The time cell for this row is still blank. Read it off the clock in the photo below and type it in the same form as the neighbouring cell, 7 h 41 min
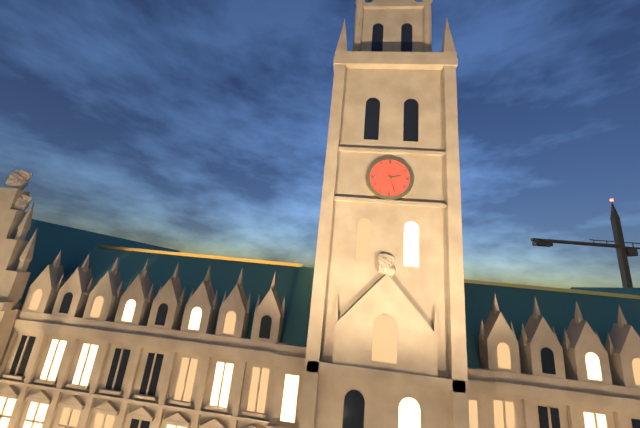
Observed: 2 h 27 min
